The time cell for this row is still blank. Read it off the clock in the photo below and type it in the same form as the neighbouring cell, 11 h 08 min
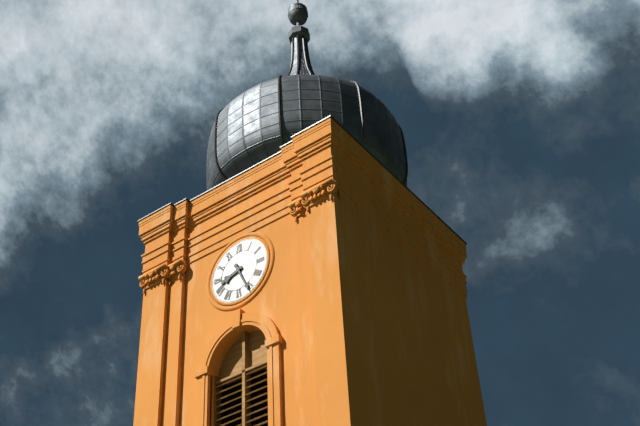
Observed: 8 h 26 min
